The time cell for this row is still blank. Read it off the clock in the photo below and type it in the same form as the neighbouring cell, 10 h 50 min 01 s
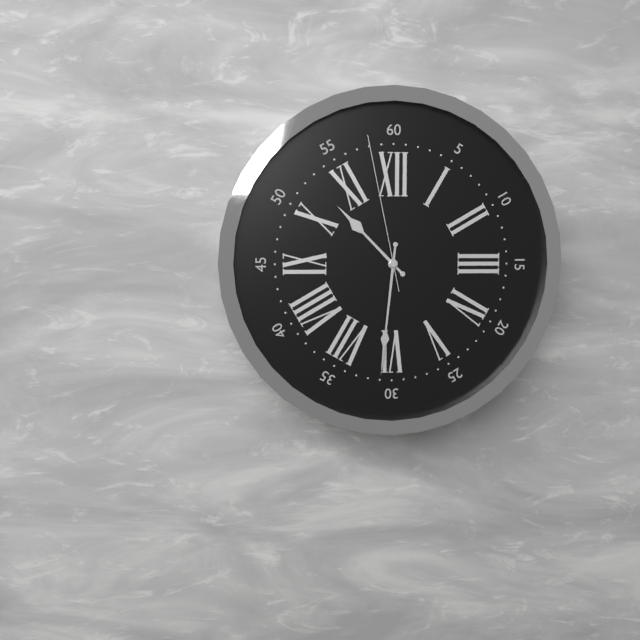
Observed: 10 h 31 min 58 s
